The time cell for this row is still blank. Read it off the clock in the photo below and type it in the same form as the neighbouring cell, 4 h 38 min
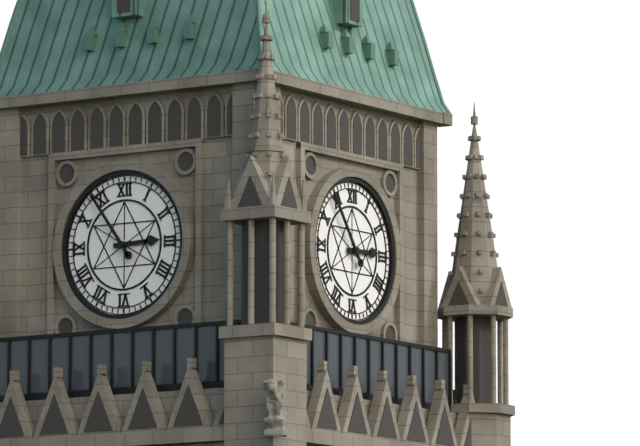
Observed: 2 h 54 min
